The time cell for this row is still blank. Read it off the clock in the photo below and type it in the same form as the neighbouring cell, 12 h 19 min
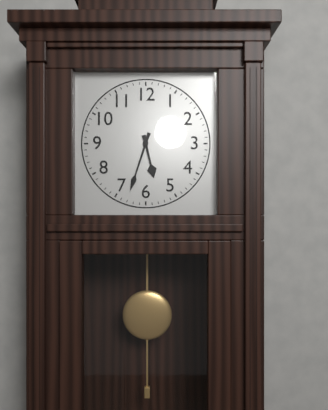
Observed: 5 h 33 min
